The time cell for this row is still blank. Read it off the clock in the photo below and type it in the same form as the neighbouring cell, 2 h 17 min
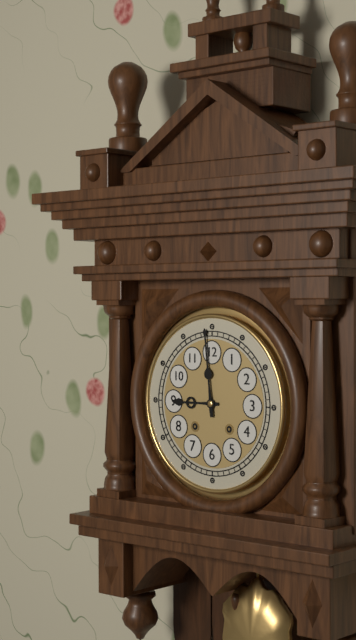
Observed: 8 h 59 min
